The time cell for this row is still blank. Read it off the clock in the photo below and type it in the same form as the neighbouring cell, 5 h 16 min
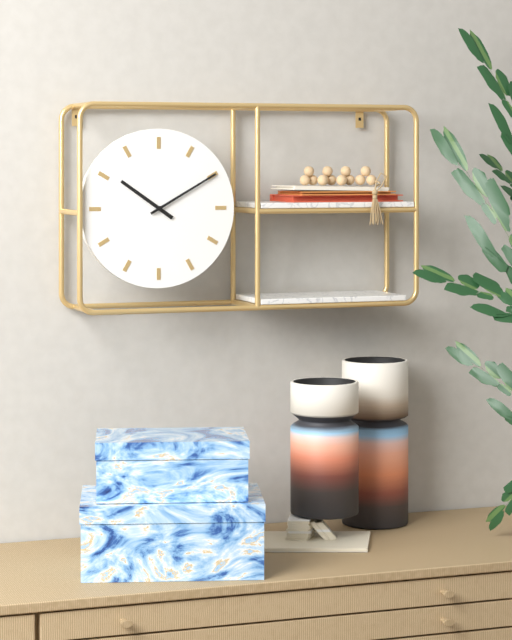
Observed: 10 h 10 min
